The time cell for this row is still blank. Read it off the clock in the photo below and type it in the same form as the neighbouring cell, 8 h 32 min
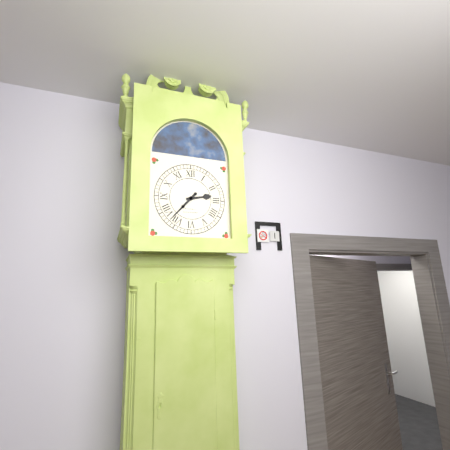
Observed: 2 h 37 min
